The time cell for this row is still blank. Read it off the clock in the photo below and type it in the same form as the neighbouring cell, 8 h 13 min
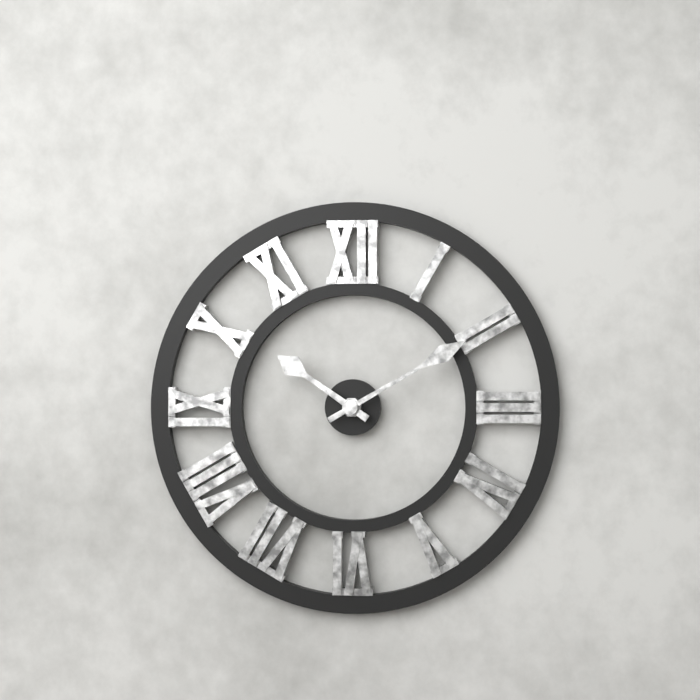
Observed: 10 h 10 min
